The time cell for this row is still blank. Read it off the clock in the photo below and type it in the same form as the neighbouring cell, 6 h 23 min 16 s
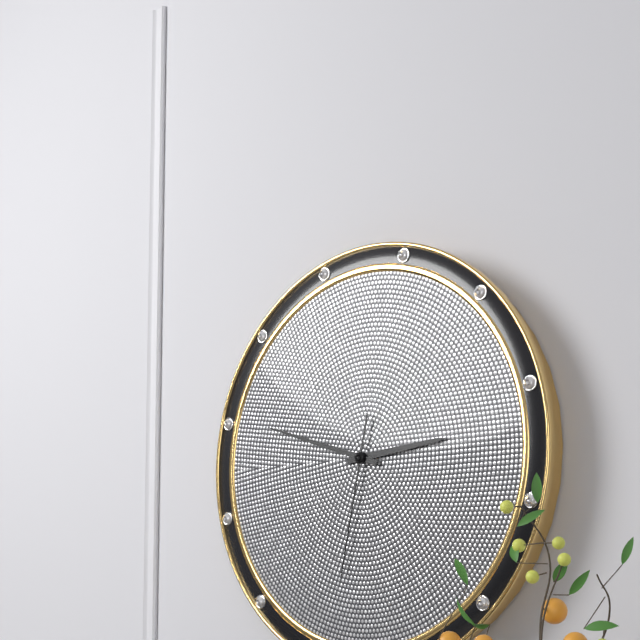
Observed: 2 h 48 min 32 s
